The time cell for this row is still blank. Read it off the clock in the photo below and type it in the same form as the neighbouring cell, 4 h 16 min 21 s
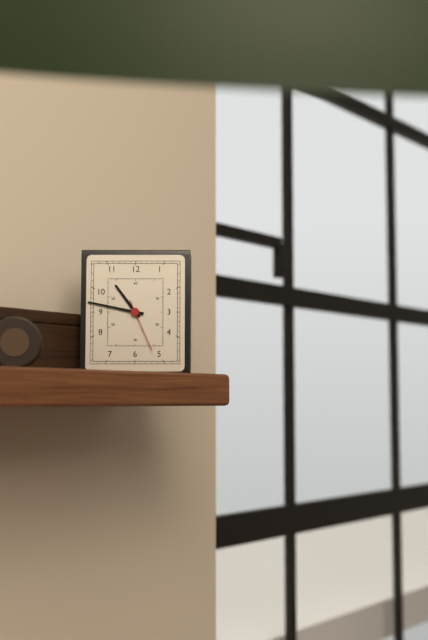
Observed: 10 h 47 min 26 s
